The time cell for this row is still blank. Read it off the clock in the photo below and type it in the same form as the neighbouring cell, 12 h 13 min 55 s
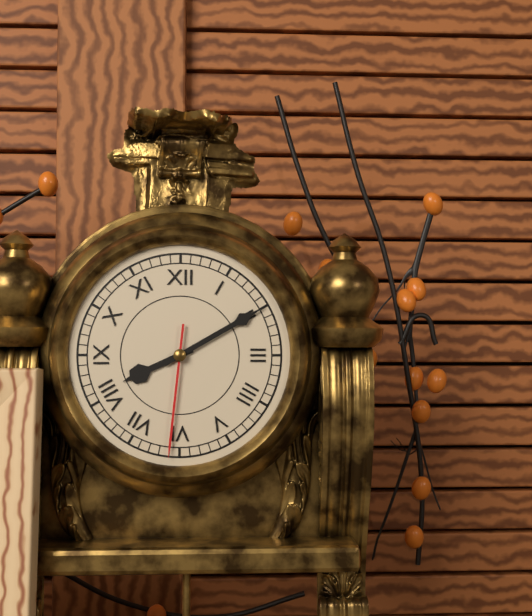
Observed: 8 h 10 min 31 s
